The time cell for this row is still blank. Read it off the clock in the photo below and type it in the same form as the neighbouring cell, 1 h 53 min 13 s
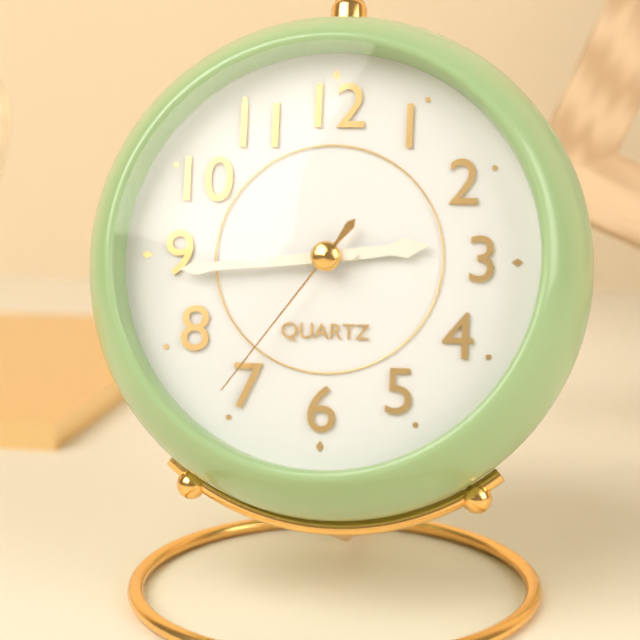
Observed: 2 h 44 min 36 s
